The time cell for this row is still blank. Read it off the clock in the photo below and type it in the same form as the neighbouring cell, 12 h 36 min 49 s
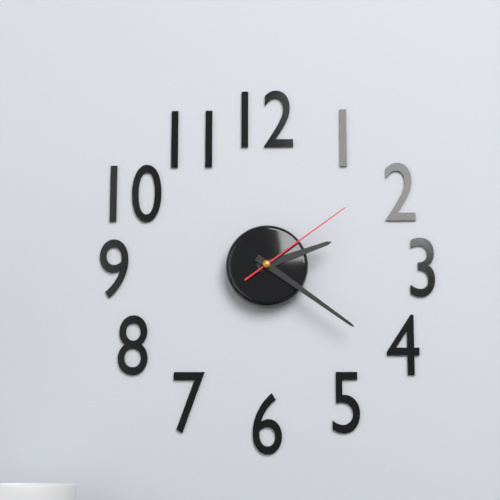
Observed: 2 h 21 min 09 s
